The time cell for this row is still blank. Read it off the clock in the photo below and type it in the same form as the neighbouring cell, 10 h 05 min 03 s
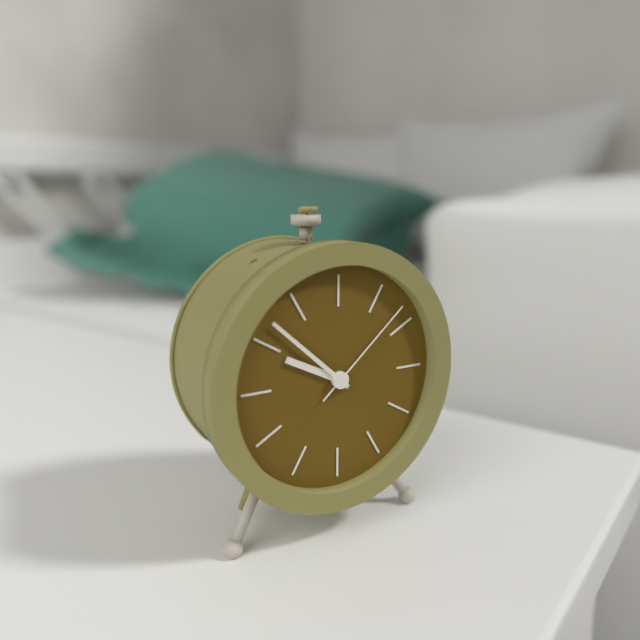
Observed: 9 h 52 min 08 s
